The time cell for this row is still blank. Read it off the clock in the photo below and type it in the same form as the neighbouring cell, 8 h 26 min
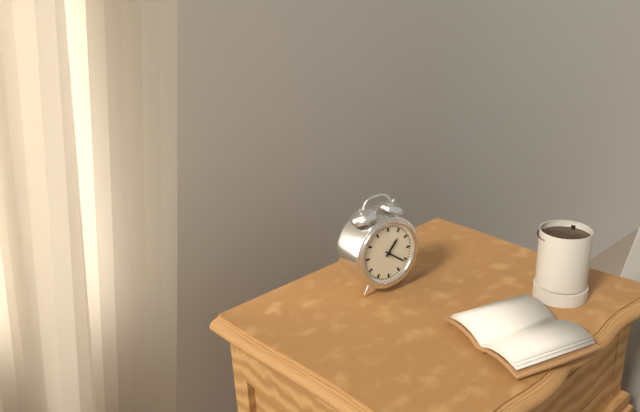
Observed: 1 h 21 min
